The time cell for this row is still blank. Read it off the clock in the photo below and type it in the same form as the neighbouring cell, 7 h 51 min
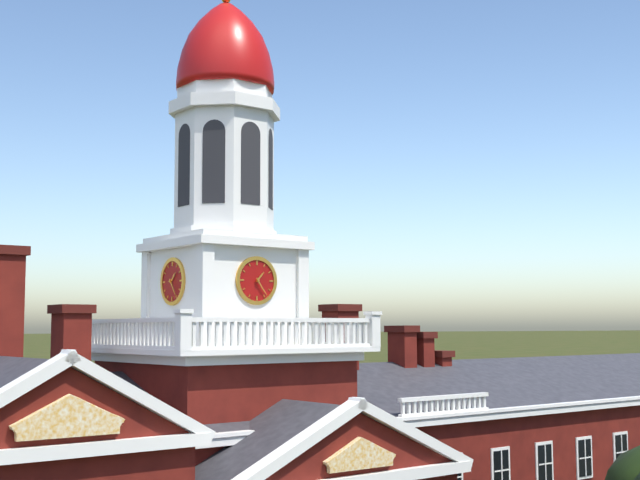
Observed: 1 h 24 min
